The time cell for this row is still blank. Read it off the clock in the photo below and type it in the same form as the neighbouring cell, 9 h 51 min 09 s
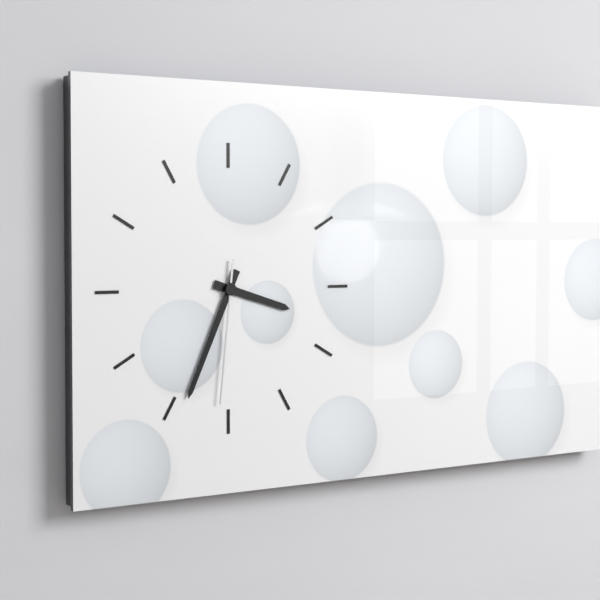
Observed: 3 h 34 min 31 s
